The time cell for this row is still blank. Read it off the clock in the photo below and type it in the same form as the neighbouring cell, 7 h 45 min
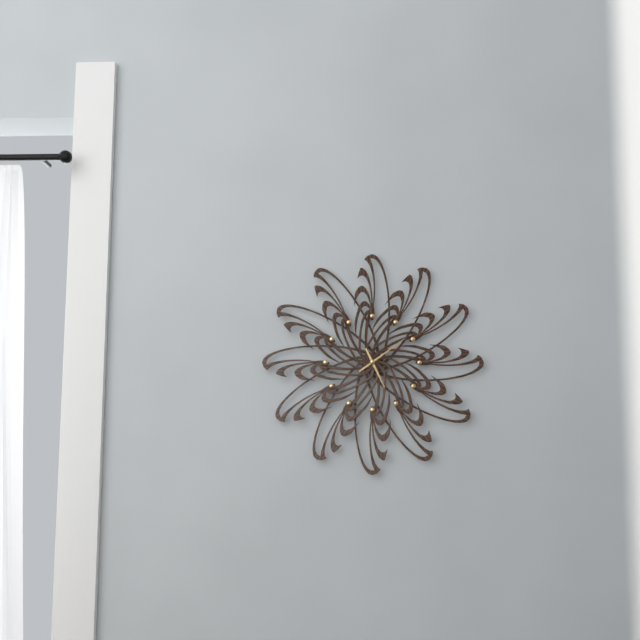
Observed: 5 h 09 min
